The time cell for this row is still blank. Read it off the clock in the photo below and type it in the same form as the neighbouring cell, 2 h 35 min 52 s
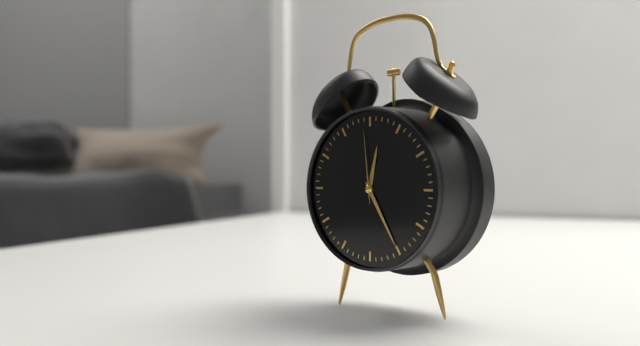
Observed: 12 h 25 min 59 s
